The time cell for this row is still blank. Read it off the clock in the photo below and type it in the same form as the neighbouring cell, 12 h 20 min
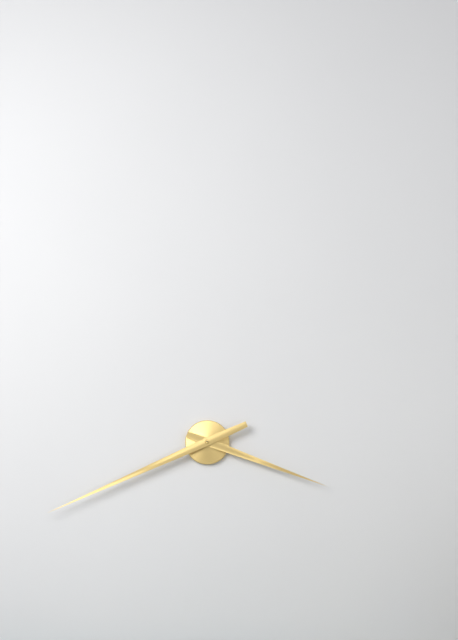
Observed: 3 h 41 min
